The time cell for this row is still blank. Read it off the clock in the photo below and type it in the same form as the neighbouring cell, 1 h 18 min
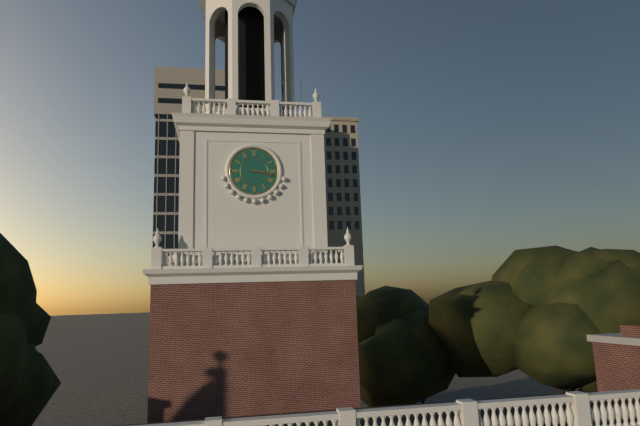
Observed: 3 h 17 min
